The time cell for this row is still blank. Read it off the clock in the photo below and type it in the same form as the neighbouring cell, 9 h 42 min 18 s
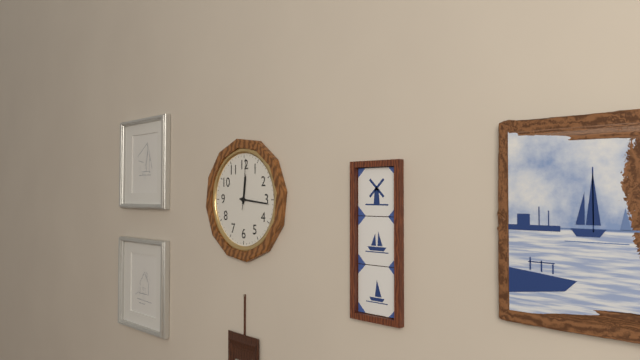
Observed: 12 h 16 min 01 s
